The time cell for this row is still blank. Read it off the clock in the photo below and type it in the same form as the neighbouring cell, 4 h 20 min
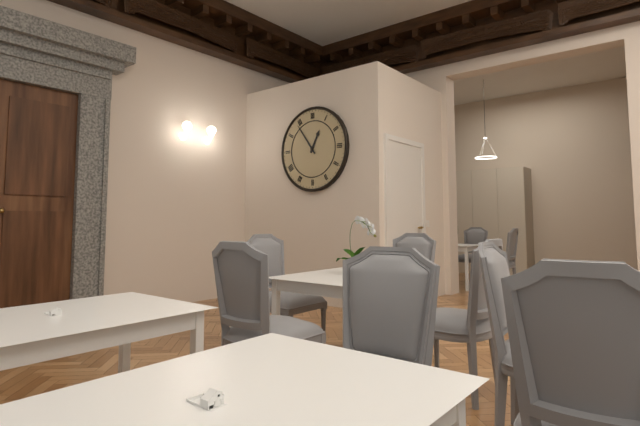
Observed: 12 h 54 min
